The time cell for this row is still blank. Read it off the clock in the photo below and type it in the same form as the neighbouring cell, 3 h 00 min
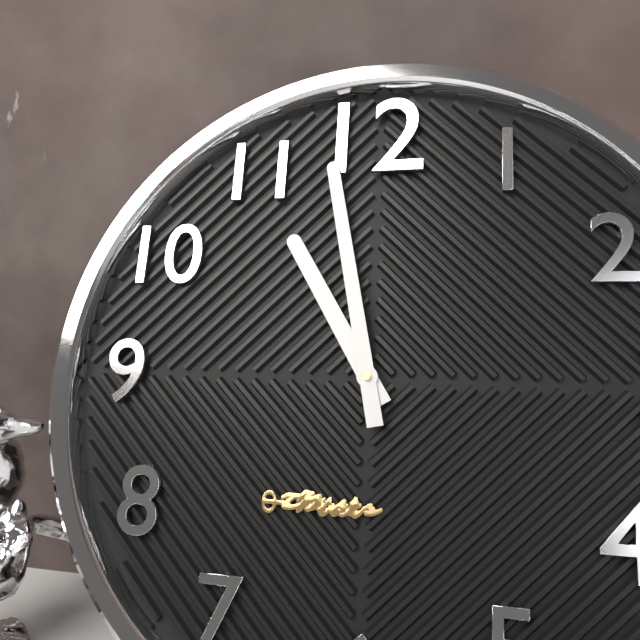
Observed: 10 h 58 min
